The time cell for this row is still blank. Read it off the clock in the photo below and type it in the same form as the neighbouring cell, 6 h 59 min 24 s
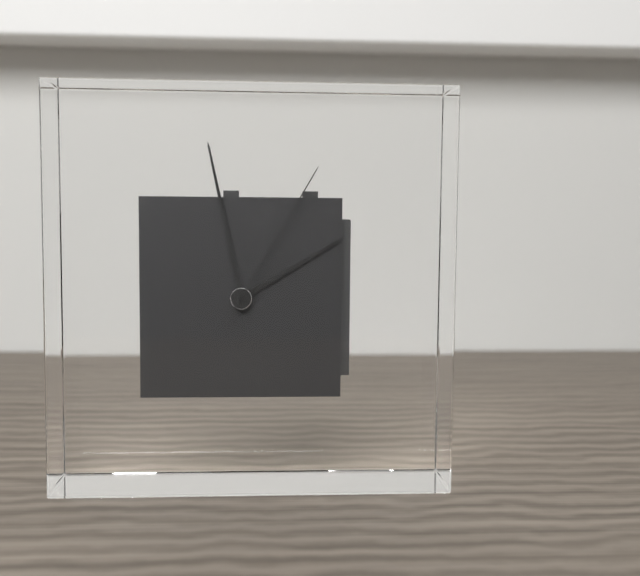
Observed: 1 h 58 min 05 s
